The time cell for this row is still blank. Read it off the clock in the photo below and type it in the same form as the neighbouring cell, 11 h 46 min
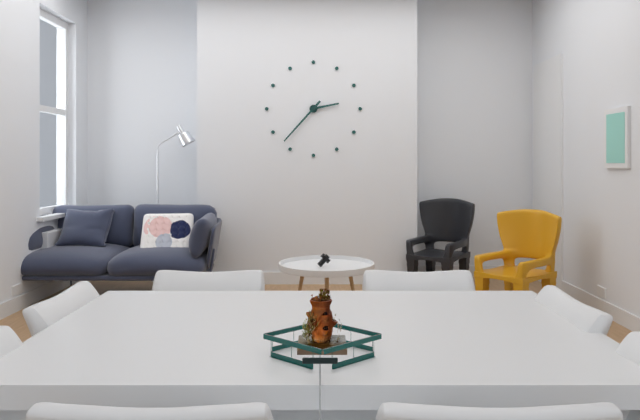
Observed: 2 h 37 min
